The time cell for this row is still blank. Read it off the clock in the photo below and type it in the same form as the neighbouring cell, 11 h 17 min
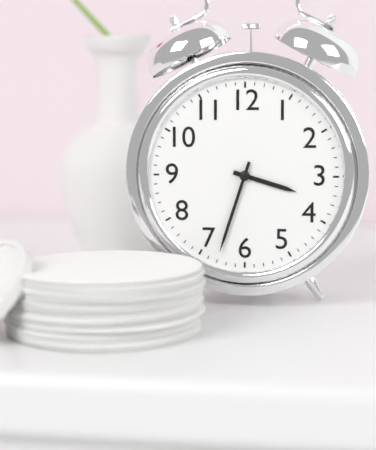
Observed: 3 h 33 min
